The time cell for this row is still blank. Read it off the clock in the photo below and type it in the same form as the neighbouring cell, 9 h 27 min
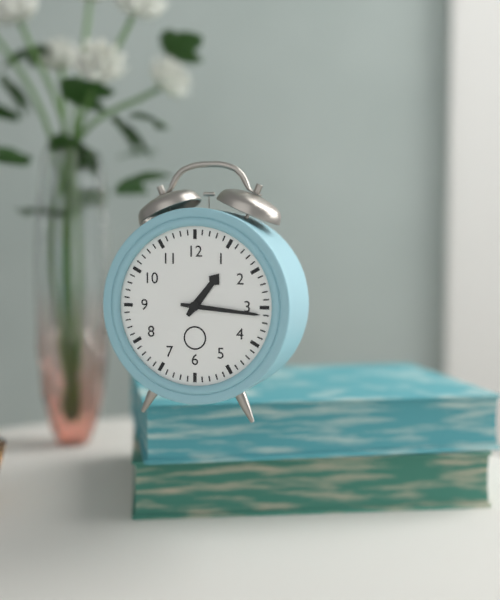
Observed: 1 h 16 min
